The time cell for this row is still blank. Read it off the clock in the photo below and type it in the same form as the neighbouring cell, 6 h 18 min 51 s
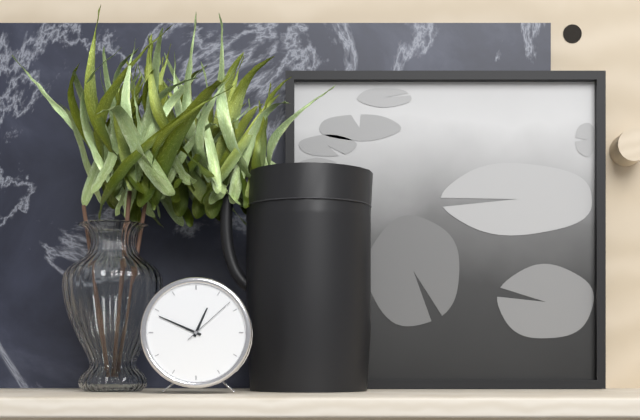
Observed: 12 h 49 min 08 s
